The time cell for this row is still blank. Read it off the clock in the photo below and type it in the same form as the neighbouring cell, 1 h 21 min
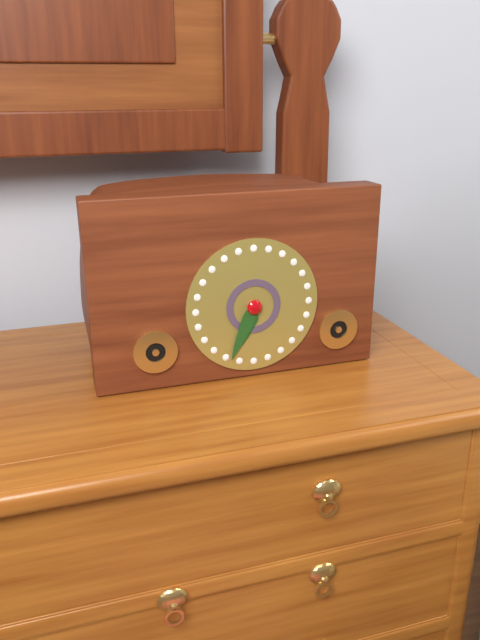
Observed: 6 h 34 min
